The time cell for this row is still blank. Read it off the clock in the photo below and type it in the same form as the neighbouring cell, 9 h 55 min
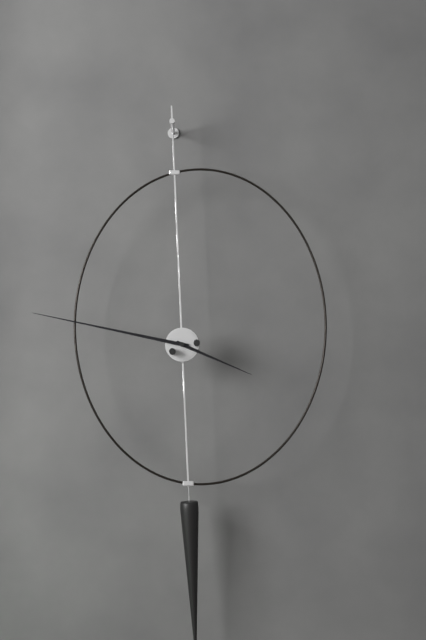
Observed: 3 h 47 min
